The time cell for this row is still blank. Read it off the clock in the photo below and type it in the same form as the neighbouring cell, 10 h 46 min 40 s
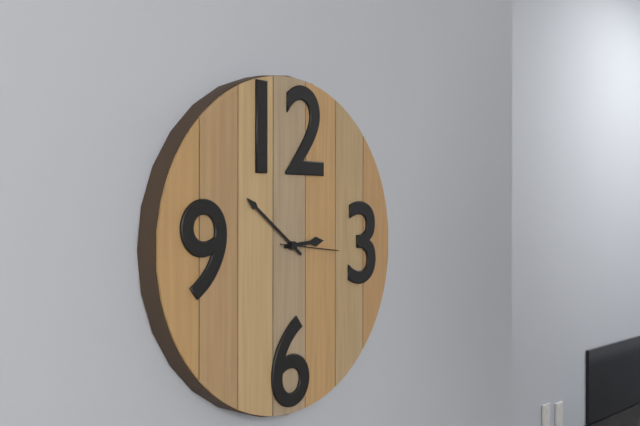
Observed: 2 h 51 min 16 s
